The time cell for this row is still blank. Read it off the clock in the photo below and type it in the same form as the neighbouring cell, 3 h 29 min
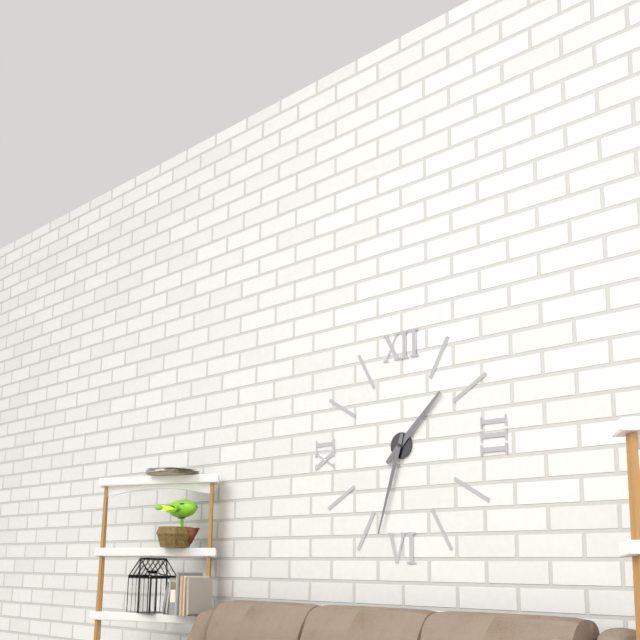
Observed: 1 h 33 min
